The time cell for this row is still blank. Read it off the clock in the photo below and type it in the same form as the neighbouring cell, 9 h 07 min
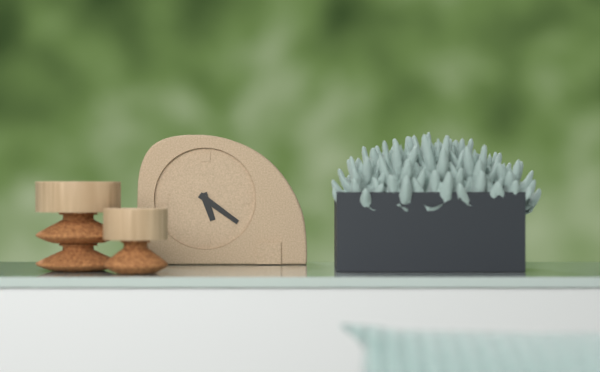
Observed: 5 h 21 min
